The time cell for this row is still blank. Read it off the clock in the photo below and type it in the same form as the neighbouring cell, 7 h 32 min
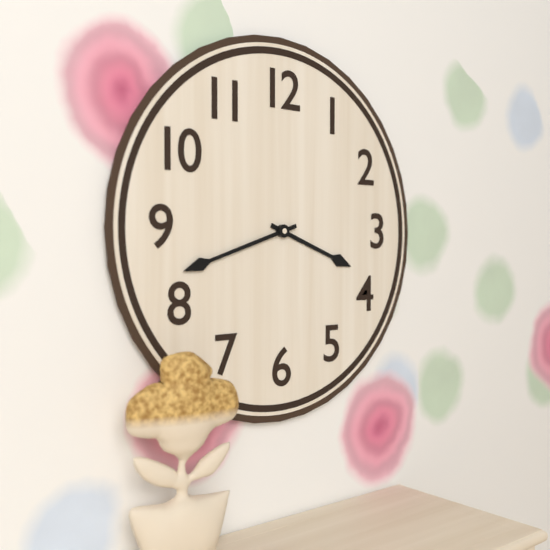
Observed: 3 h 42 min
